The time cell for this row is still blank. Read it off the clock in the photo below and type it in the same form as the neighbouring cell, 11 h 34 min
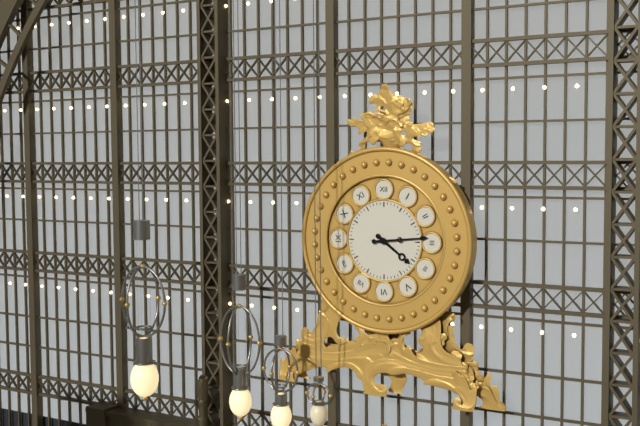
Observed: 4 h 14 min
